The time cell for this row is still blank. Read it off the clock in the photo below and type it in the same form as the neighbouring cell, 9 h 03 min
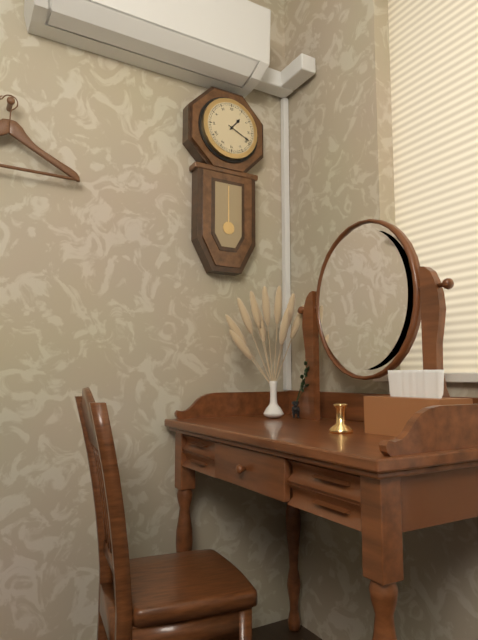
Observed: 1 h 19 min
